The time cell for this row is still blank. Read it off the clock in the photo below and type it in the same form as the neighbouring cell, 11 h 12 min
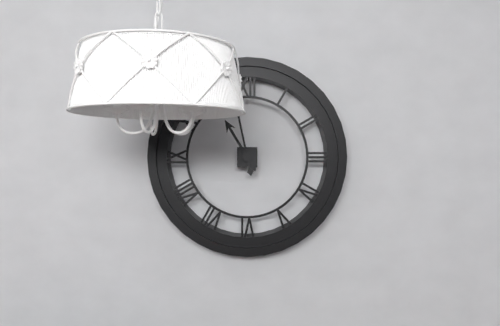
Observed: 10 h 58 min
